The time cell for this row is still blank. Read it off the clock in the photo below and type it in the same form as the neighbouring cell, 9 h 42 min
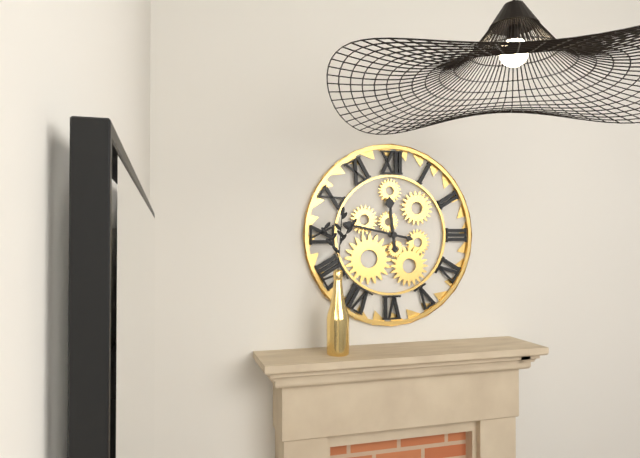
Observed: 11 h 47 min
